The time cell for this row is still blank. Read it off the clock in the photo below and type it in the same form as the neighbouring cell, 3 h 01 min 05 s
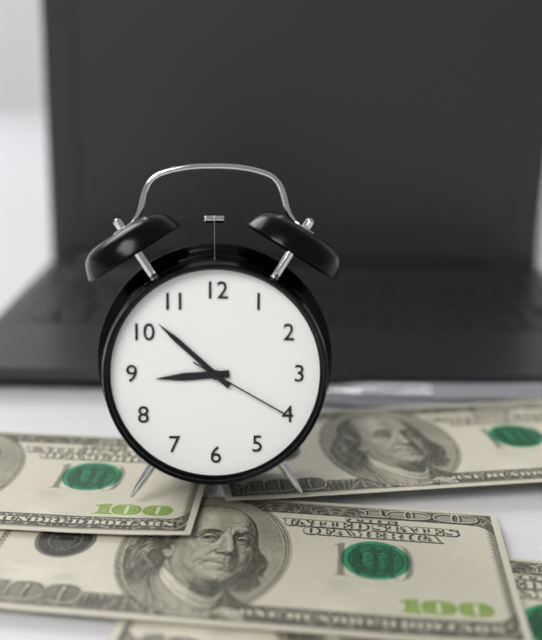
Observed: 8 h 52 min 20 s
